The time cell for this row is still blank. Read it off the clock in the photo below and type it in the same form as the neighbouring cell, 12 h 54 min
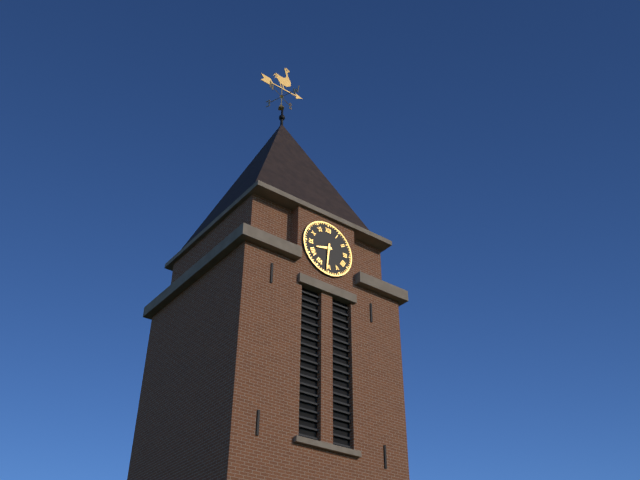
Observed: 8 h 31 min
